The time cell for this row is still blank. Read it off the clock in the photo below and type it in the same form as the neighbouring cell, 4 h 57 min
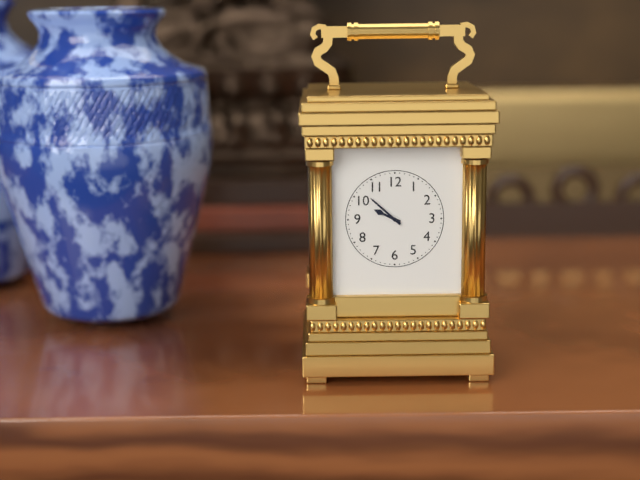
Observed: 9 h 52 min
